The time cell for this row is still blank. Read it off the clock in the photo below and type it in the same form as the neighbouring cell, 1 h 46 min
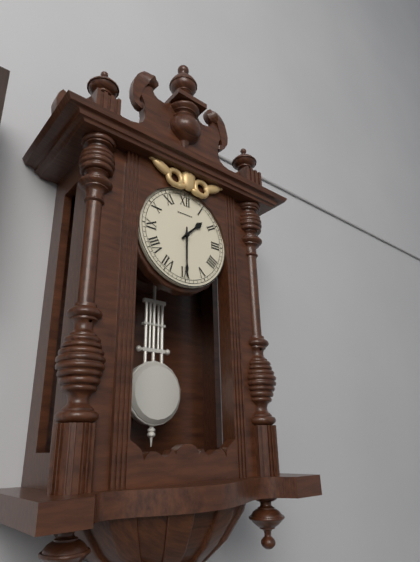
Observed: 1 h 30 min
